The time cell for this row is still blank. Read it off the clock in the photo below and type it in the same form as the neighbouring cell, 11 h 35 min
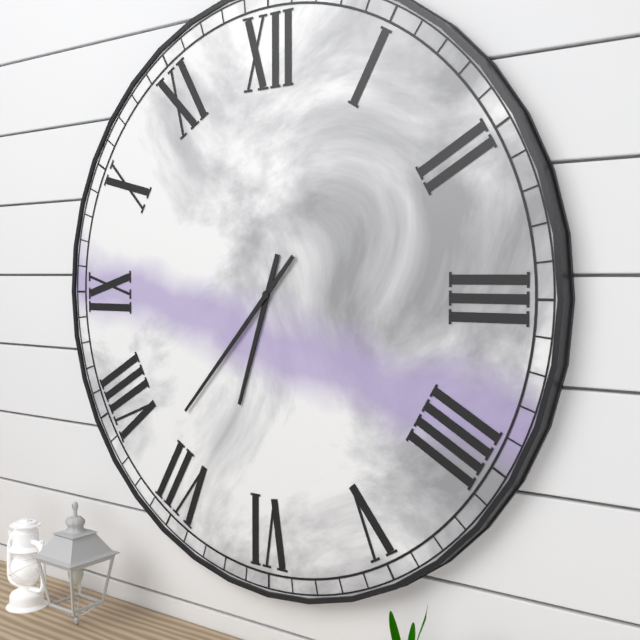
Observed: 6 h 37 min
